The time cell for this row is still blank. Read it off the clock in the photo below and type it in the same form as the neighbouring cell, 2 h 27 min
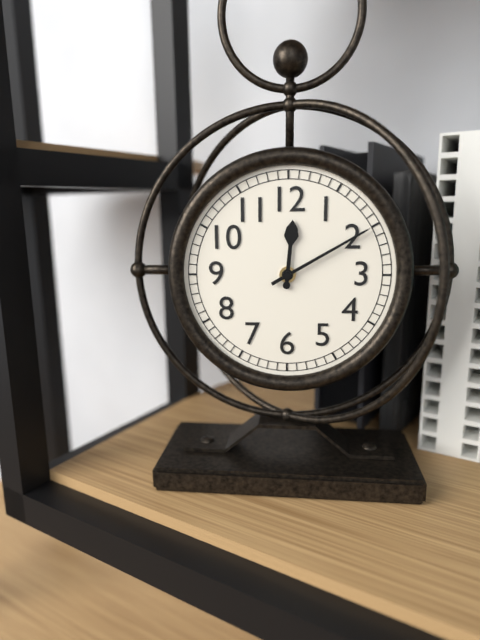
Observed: 12 h 10 min
